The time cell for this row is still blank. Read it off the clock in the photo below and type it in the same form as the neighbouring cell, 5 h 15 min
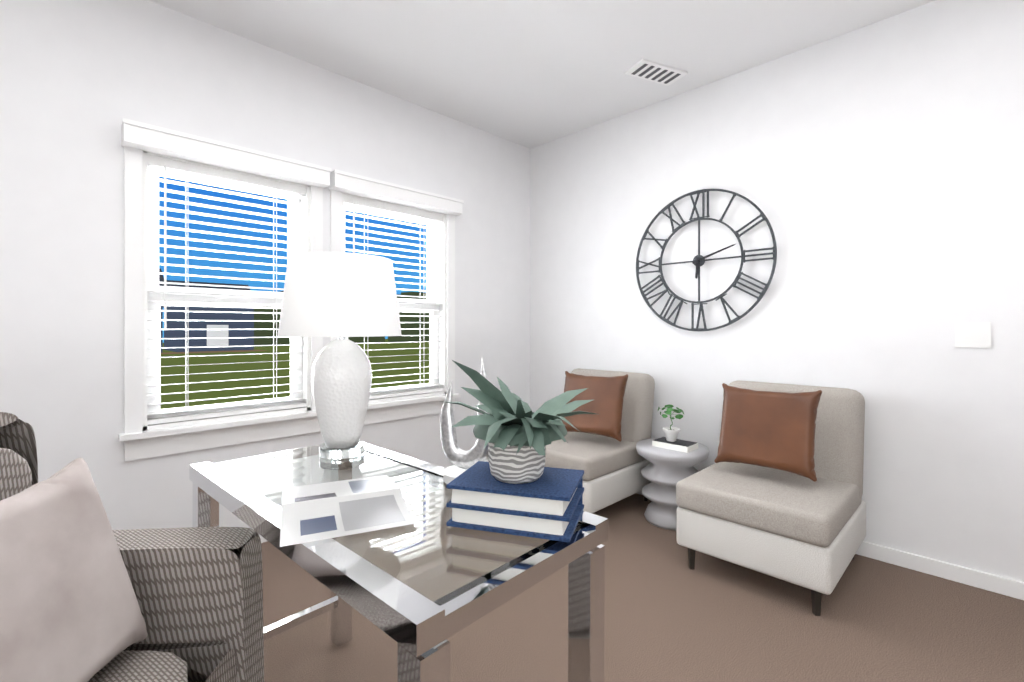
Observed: 6 h 12 min
